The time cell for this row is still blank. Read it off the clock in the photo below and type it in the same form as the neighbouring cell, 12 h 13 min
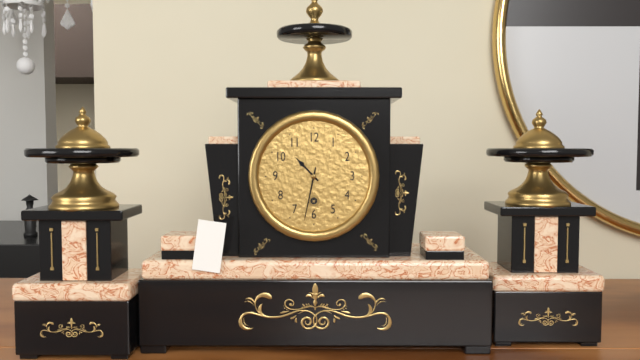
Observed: 10 h 32 min
